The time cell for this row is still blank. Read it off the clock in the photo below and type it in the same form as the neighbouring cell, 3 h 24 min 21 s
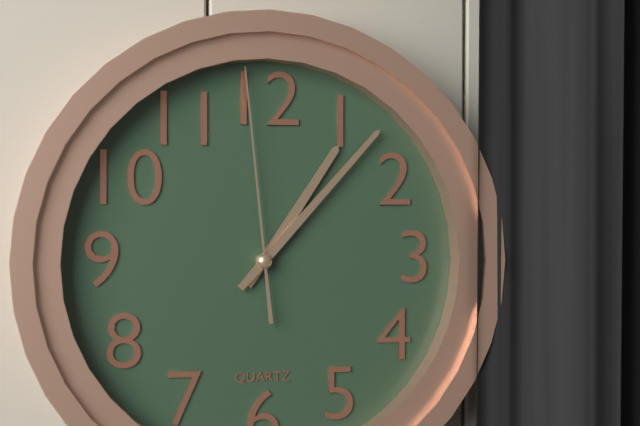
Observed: 1 h 07 min 59 s
